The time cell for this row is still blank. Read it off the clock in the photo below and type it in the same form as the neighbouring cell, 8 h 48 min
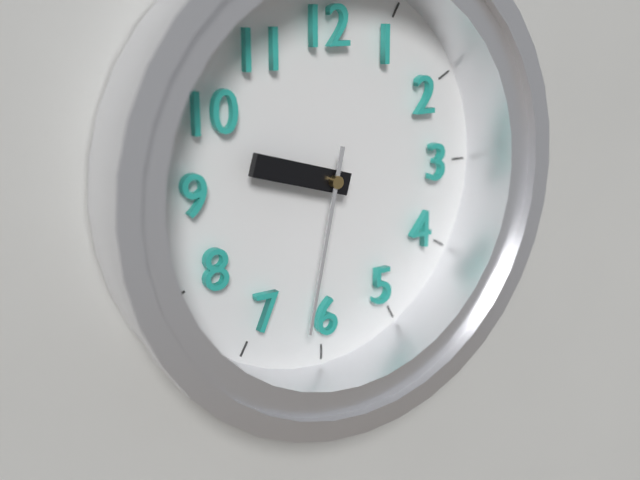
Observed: 9 h 32 min
